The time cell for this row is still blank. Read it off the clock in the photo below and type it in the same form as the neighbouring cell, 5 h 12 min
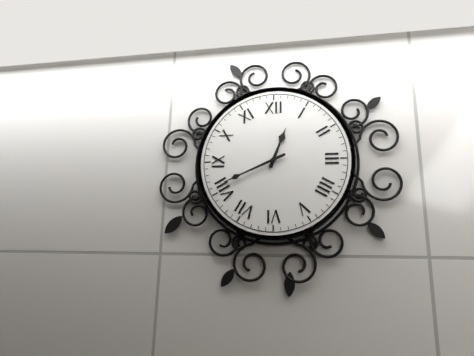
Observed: 12 h 41 min
